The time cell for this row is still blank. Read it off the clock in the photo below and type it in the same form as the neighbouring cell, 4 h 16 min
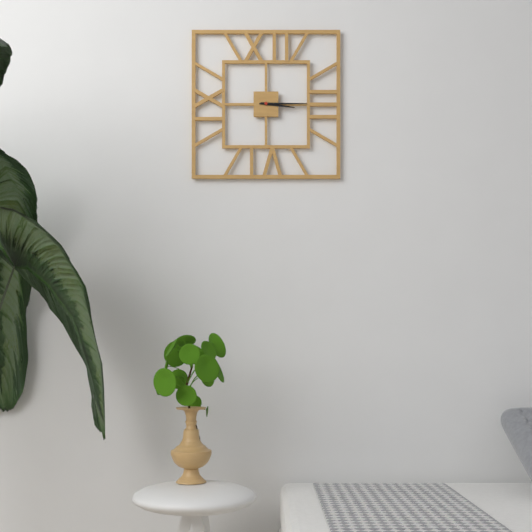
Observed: 3 h 15 min
